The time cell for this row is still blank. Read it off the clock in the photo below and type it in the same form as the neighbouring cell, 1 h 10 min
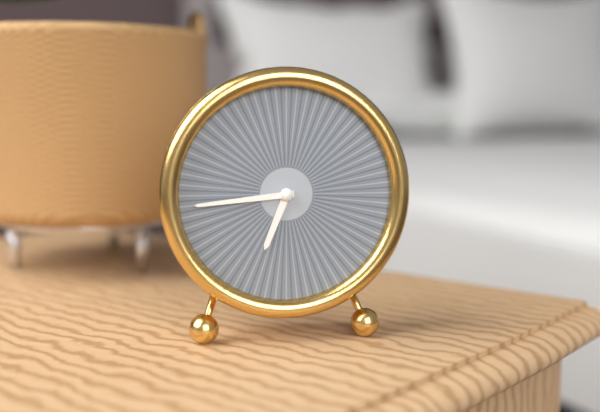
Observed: 6 h 44 min
